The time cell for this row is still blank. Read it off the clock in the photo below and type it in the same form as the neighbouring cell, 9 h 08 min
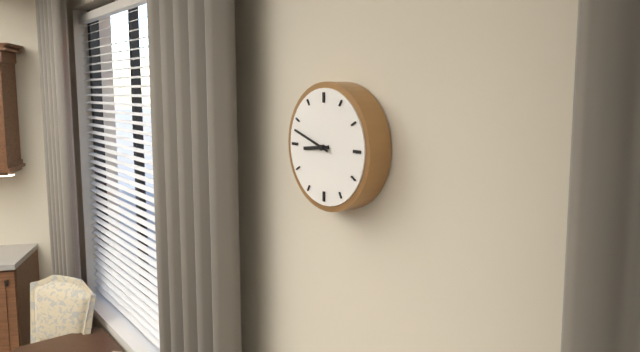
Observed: 8 h 48 min
